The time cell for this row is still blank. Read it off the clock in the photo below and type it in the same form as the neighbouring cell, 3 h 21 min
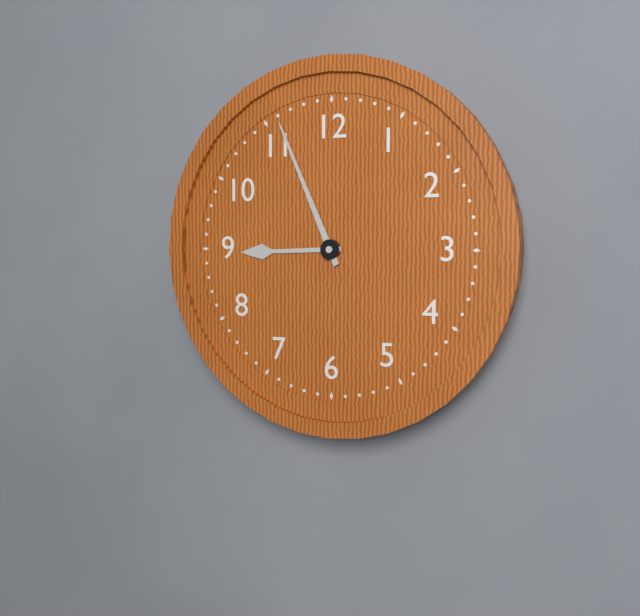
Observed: 8 h 56 min
